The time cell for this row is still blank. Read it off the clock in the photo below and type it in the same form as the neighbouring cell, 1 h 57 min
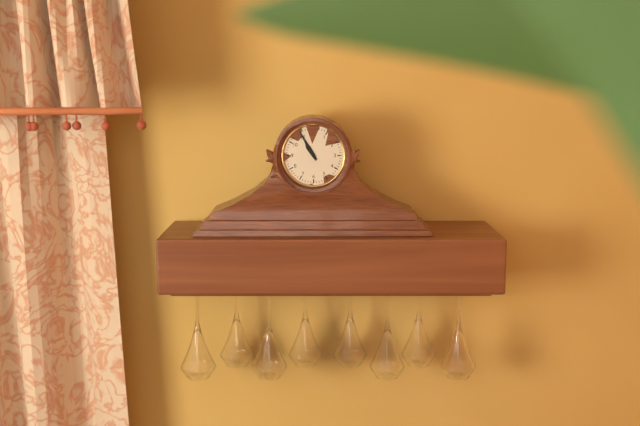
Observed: 10 h 55 min
